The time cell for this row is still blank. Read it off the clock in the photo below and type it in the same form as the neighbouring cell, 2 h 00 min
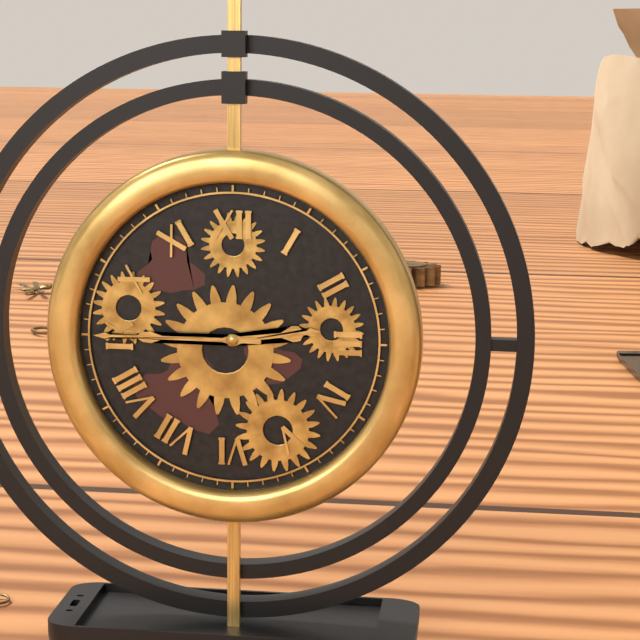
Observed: 2 h 45 min
